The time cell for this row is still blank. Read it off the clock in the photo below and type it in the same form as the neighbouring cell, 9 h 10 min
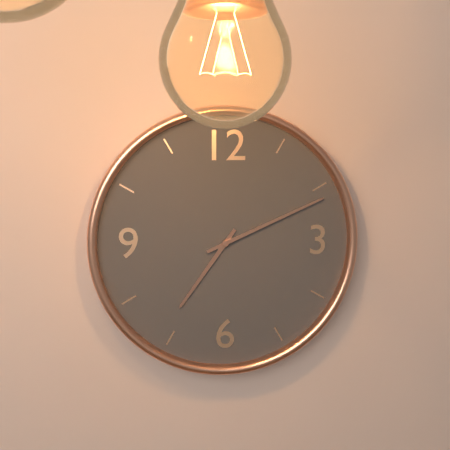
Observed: 7 h 11 min
